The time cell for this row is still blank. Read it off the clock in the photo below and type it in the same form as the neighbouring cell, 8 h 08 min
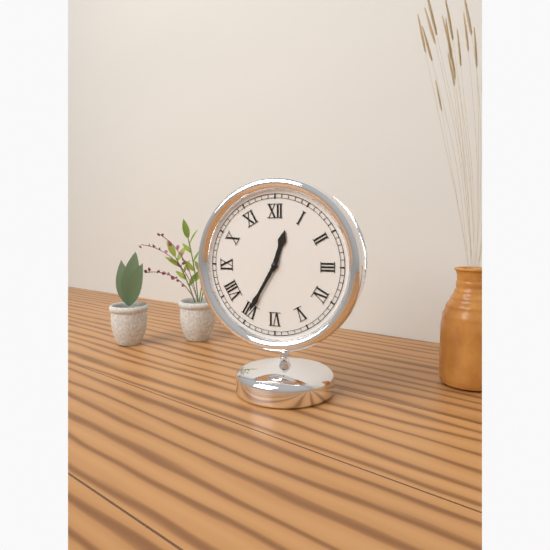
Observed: 12 h 35 min
